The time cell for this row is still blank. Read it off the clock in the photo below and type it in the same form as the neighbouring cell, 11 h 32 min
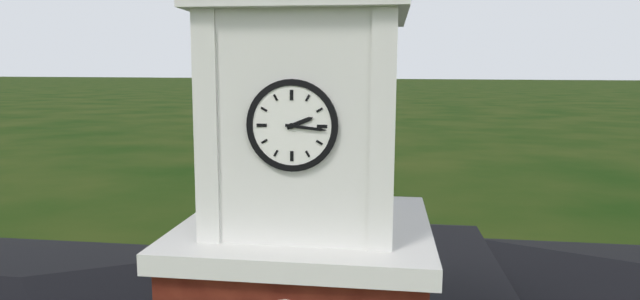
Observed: 2 h 16 min
